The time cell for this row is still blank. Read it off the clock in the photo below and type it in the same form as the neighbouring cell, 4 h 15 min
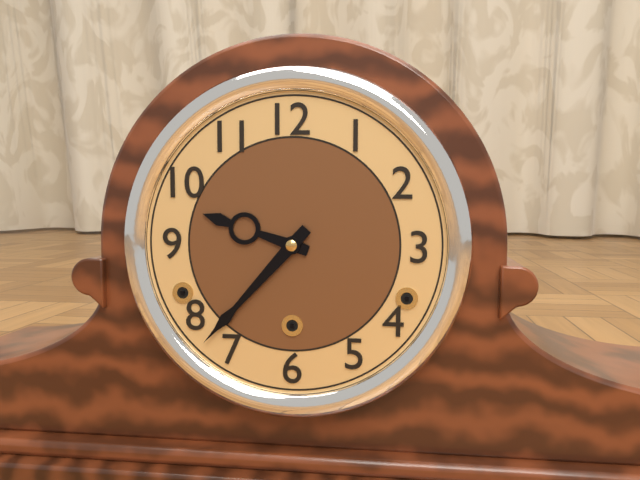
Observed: 9 h 37 min
